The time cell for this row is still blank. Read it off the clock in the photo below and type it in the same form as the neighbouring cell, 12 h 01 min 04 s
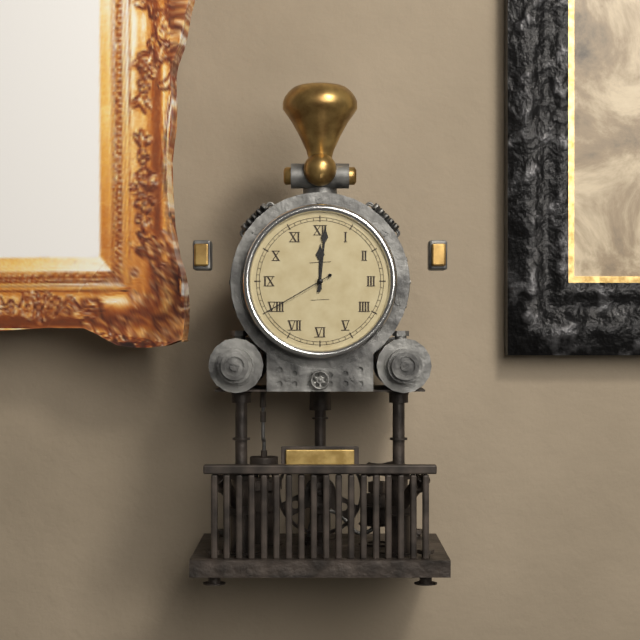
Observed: 12 h 01 min 40 s
